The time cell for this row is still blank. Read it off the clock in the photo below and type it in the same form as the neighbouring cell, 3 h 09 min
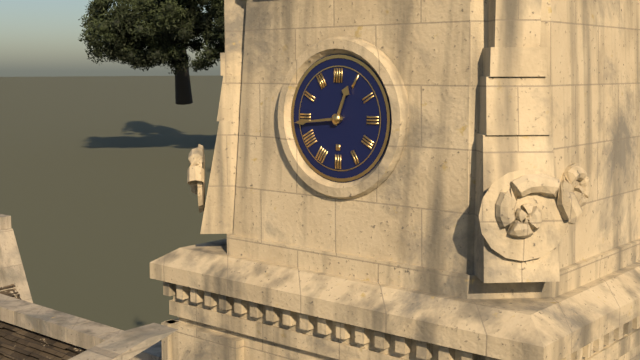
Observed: 12 h 44 min
